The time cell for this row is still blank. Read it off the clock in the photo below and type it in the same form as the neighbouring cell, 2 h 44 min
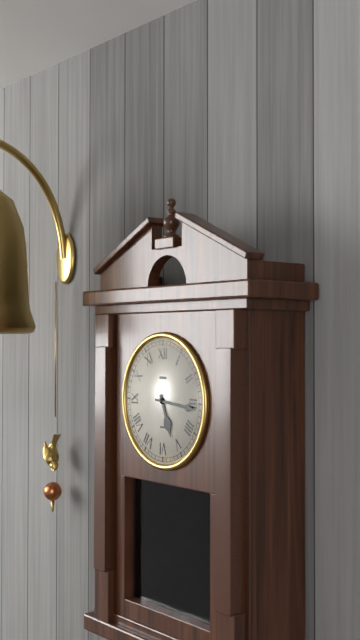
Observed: 5 h 16 min
